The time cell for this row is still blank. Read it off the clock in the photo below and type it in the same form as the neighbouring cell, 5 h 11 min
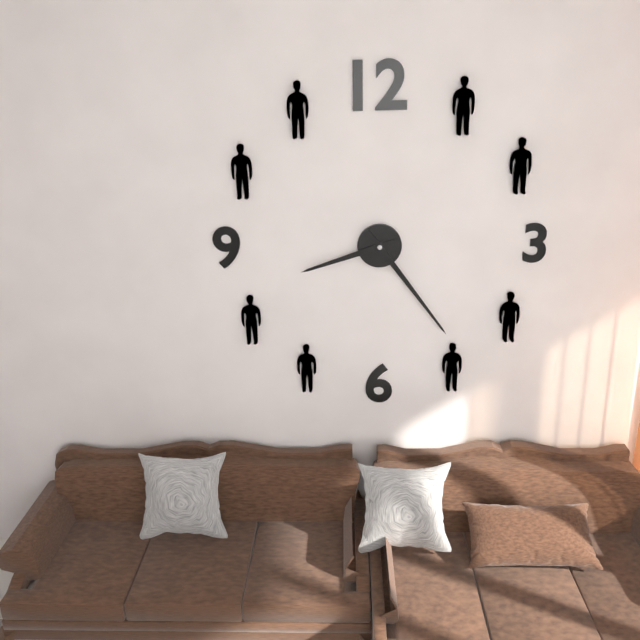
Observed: 8 h 24 min
